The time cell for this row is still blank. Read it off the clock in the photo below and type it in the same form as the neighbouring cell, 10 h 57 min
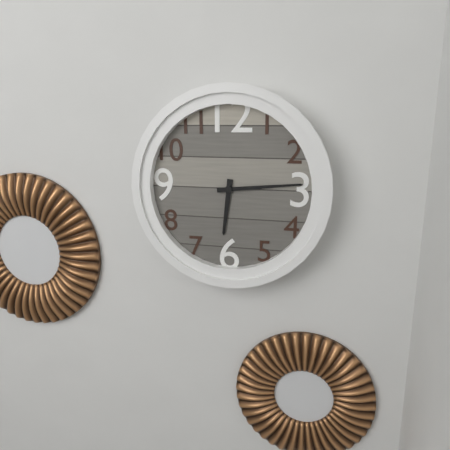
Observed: 6 h 14 min
